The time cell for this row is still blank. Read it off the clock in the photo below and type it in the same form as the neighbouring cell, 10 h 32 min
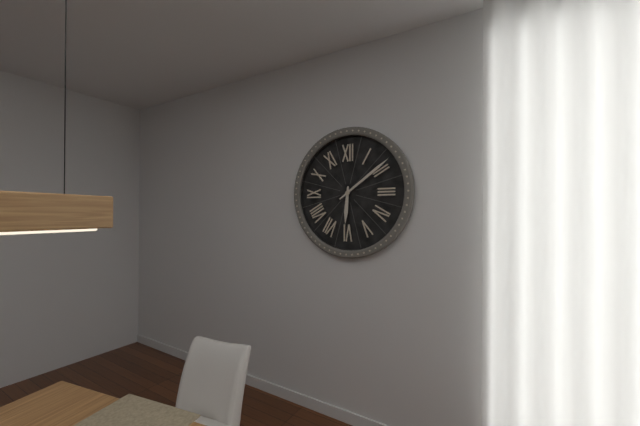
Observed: 6 h 09 min
